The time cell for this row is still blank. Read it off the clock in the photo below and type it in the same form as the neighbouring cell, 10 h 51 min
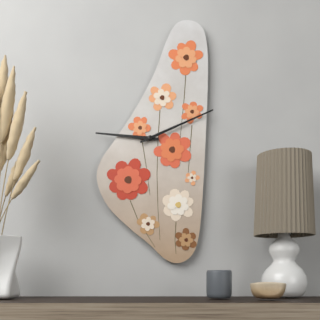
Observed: 9 h 11 min
